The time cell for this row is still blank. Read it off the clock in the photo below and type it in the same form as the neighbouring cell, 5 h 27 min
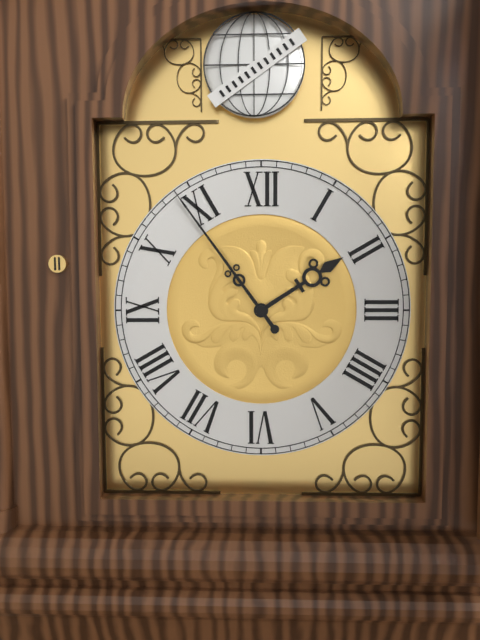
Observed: 1 h 54 min
